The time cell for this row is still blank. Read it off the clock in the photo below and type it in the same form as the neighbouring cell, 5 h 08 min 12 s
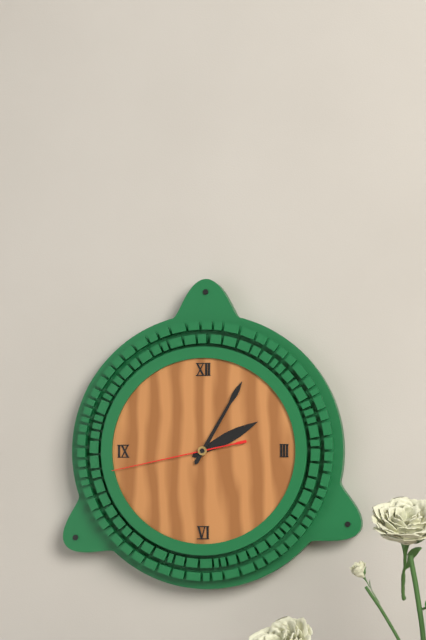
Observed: 2 h 05 min 43 s
